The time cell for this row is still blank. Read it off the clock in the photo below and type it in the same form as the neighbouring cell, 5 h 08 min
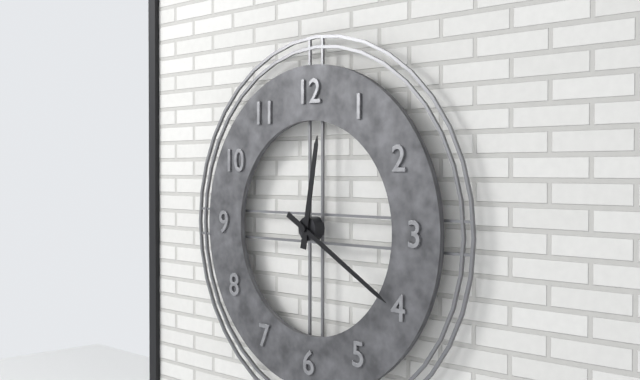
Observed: 12 h 20 min
